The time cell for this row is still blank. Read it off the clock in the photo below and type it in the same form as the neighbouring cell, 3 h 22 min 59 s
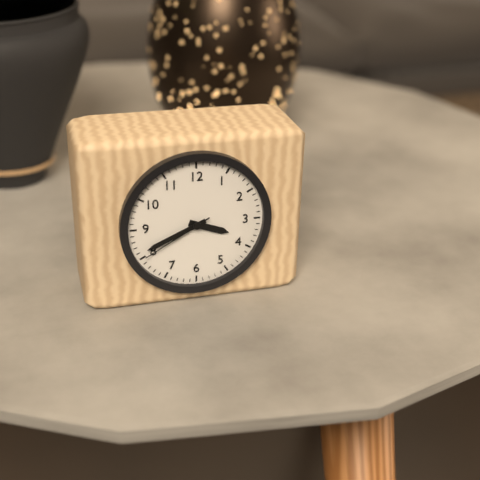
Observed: 3 h 41 min 40 s
